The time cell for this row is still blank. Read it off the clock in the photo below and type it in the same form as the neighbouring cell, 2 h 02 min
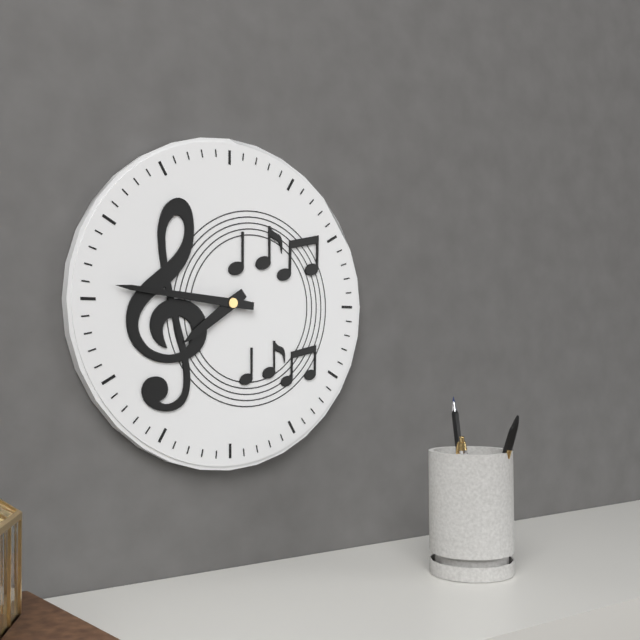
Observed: 7 h 46 min
